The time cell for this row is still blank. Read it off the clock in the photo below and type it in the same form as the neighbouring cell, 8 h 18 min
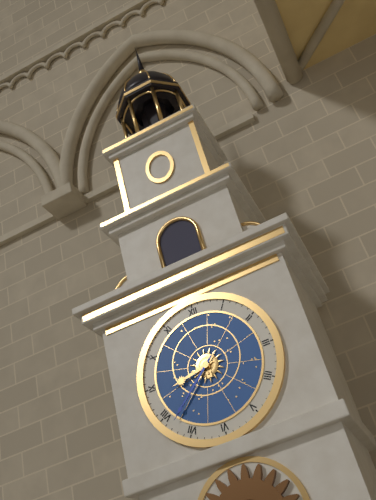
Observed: 8 h 38 min
